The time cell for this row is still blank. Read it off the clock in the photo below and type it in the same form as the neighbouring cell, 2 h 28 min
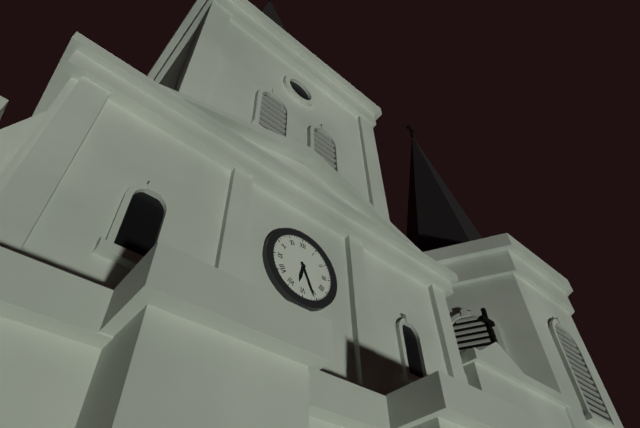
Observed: 6 h 26 min
